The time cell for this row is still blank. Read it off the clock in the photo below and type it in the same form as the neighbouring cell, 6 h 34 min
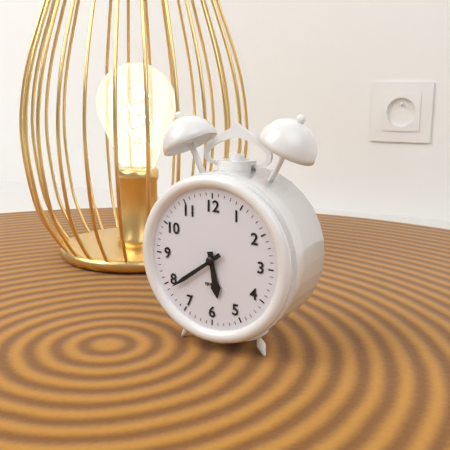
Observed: 5 h 39 min
